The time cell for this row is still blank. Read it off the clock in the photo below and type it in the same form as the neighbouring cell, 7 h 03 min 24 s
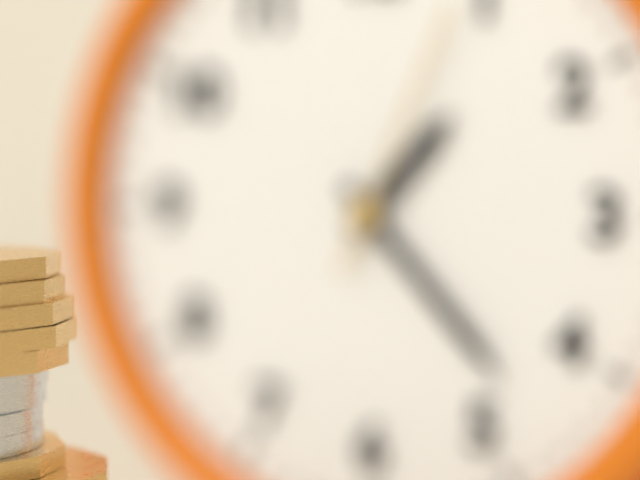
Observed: 1 h 23 min 04 s
